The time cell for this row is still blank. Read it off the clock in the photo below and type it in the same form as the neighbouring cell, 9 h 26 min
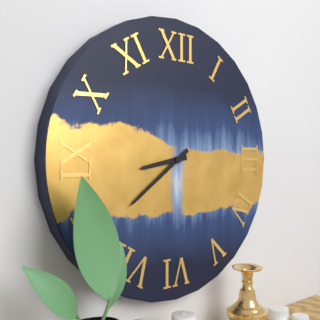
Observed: 8 h 39 min
